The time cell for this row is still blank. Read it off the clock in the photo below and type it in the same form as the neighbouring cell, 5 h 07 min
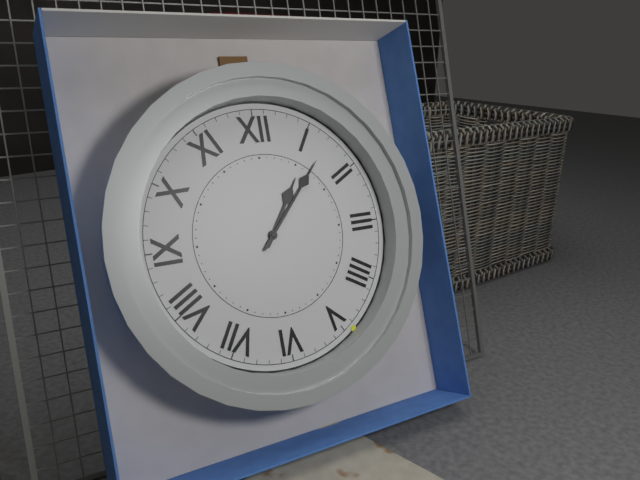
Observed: 1 h 07 min
